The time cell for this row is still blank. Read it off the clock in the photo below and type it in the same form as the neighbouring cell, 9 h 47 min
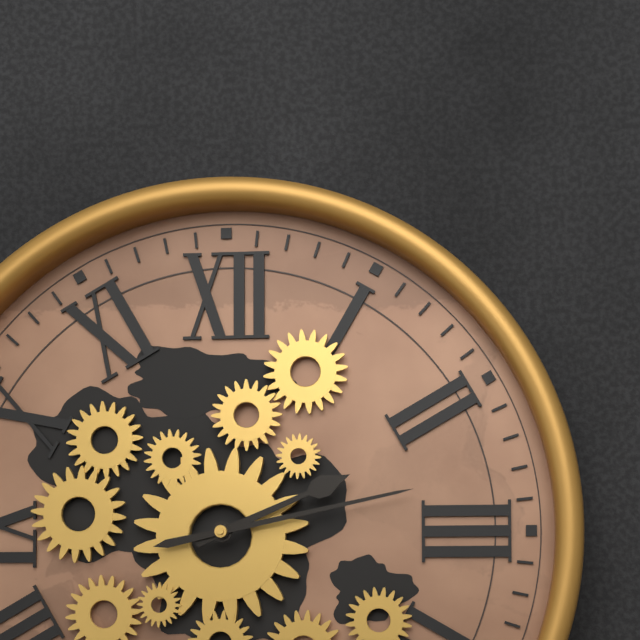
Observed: 2 h 13 min
